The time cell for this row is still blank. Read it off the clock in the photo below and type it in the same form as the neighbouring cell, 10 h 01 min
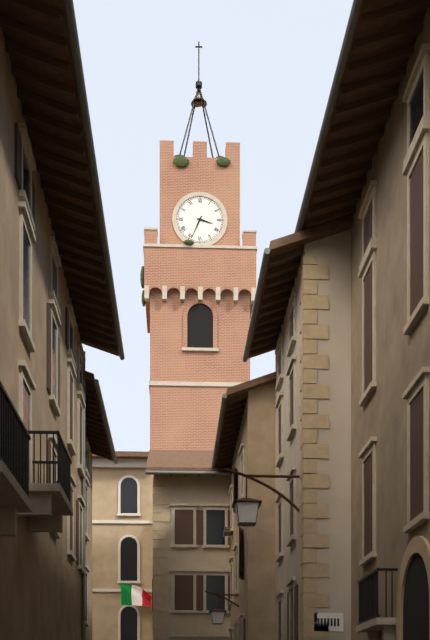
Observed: 3 h 34 min
